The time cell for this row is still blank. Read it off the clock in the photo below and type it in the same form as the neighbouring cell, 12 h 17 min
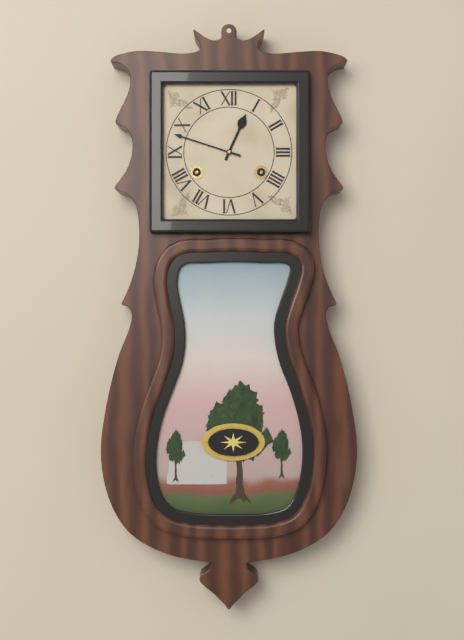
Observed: 12 h 48 min
